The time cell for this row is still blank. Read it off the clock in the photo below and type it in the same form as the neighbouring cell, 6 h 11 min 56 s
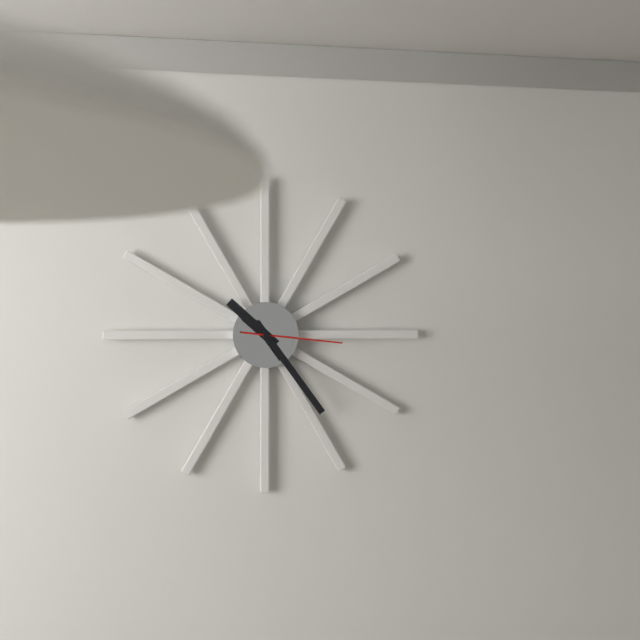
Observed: 10 h 24 min 16 s
